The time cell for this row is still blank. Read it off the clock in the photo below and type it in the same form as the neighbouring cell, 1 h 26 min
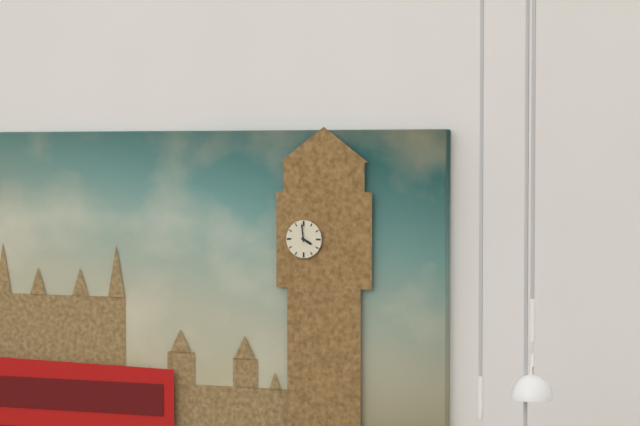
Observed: 3 h 59 min
